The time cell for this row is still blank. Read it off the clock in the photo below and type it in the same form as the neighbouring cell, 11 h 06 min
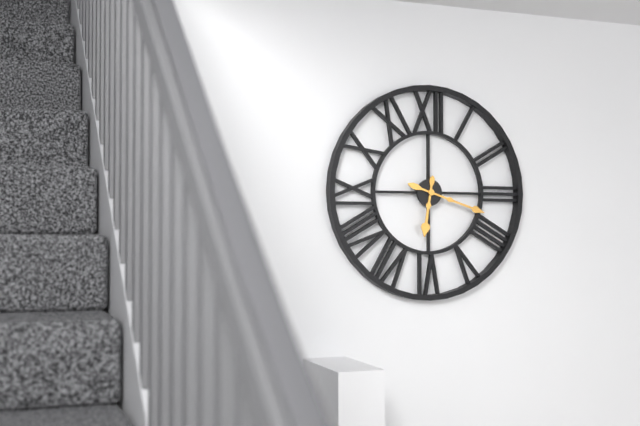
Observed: 6 h 18 min
